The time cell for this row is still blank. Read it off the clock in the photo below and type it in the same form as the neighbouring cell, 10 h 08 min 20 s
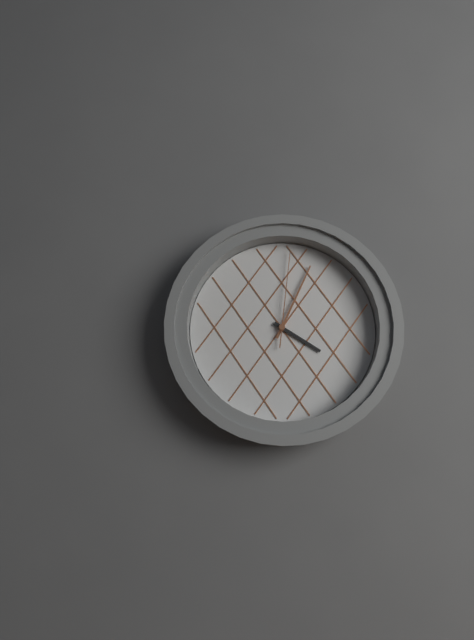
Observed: 4 h 04 min 01 s
